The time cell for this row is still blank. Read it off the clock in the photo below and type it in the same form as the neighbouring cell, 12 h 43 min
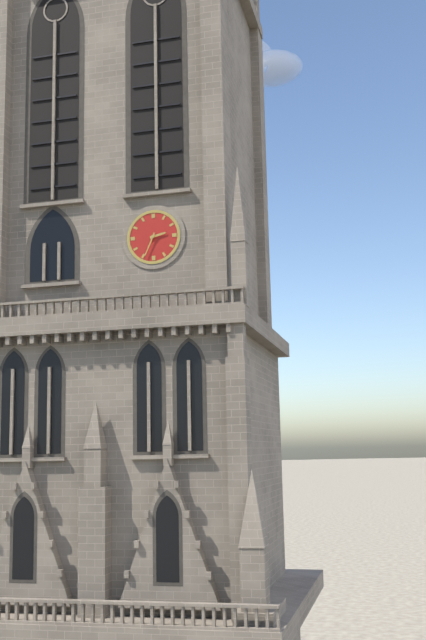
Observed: 2 h 34 min
